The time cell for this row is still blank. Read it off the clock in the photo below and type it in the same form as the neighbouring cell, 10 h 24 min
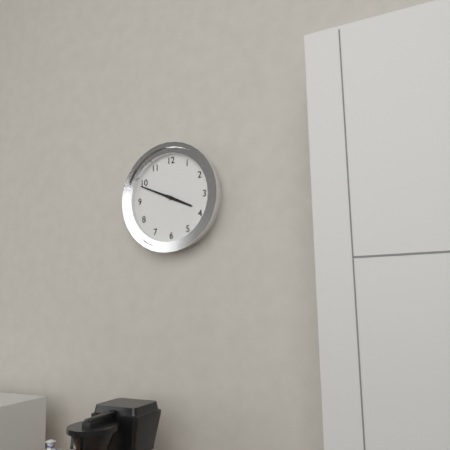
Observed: 3 h 49 min
